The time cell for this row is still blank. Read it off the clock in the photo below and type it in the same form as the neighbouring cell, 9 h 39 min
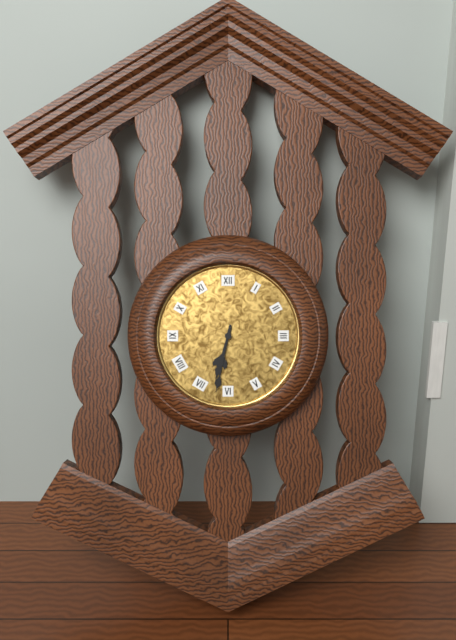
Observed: 6 h 32 min
